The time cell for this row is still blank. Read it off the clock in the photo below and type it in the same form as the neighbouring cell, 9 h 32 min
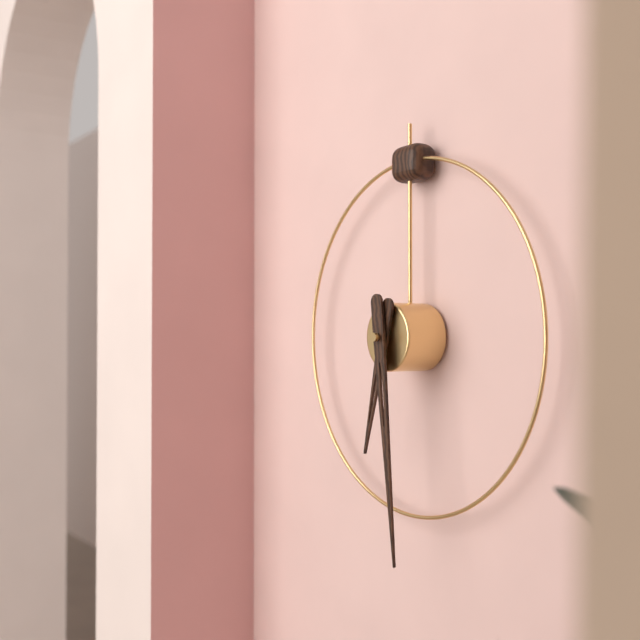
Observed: 6 h 29 min
